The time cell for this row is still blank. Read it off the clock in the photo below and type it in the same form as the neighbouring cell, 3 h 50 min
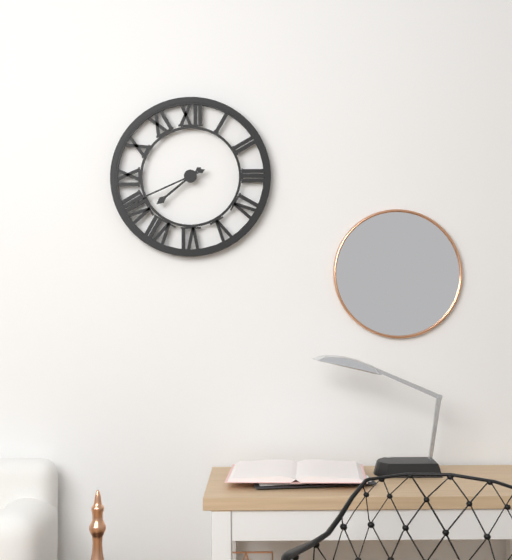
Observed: 7 h 41 min
